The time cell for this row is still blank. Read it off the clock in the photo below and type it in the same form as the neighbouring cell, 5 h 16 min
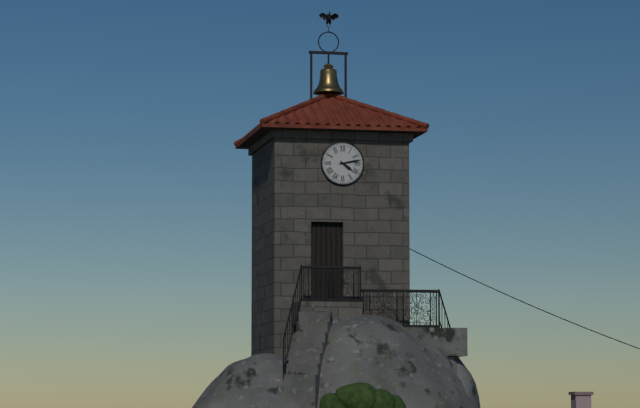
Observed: 4 h 13 min
